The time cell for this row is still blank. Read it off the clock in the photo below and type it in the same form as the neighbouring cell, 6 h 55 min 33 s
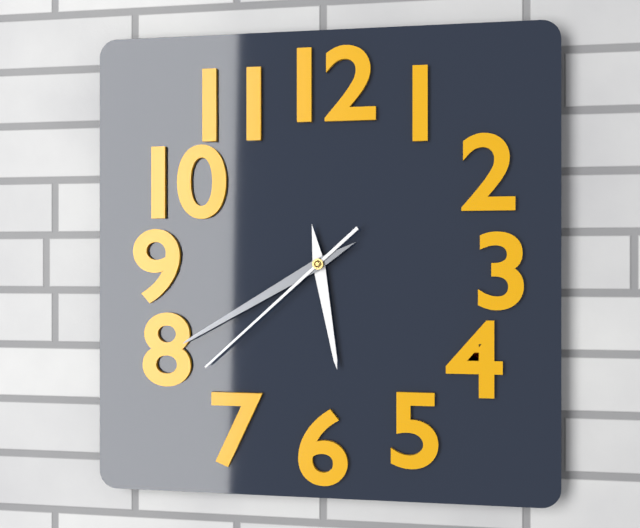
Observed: 5 h 40 min 38 s
